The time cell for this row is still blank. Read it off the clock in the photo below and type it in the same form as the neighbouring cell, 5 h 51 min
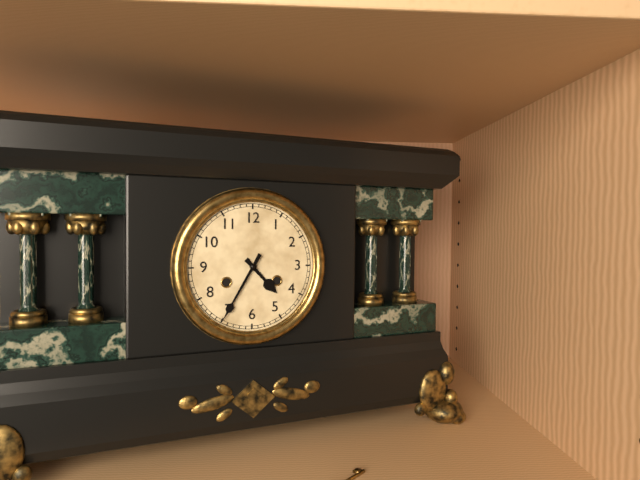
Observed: 4 h 35 min
